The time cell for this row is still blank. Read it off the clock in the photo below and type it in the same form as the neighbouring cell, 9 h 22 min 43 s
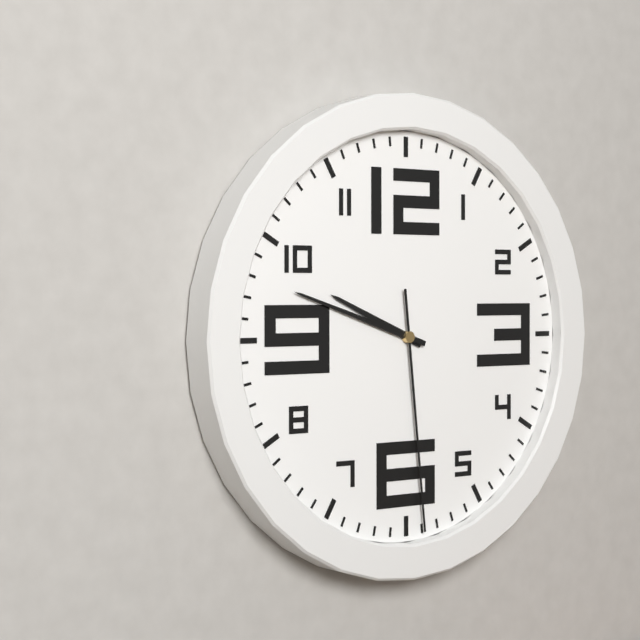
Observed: 9 h 48 min 29 s
